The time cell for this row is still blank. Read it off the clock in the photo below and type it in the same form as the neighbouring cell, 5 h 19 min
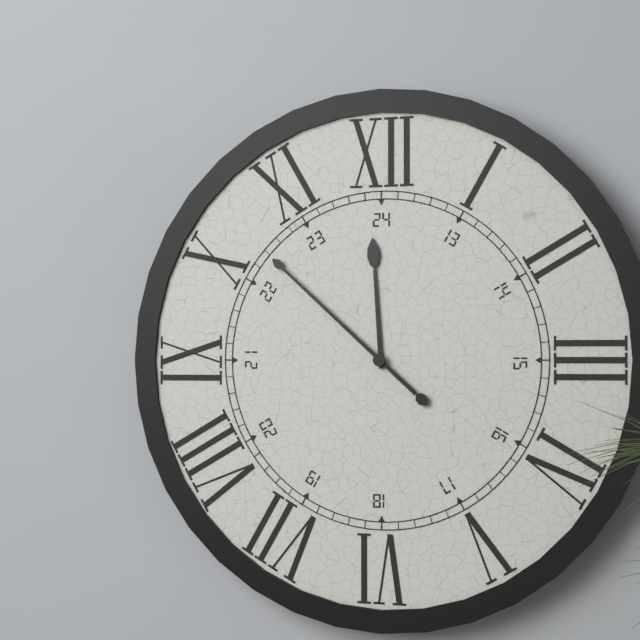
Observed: 11 h 52 min
